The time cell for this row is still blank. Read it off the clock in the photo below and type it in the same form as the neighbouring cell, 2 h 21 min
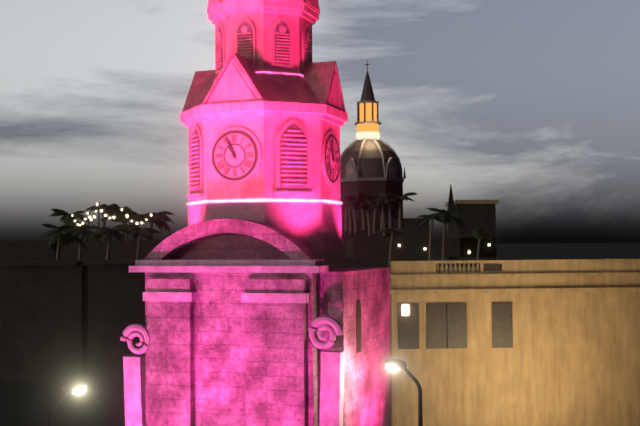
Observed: 10 h 56 min
